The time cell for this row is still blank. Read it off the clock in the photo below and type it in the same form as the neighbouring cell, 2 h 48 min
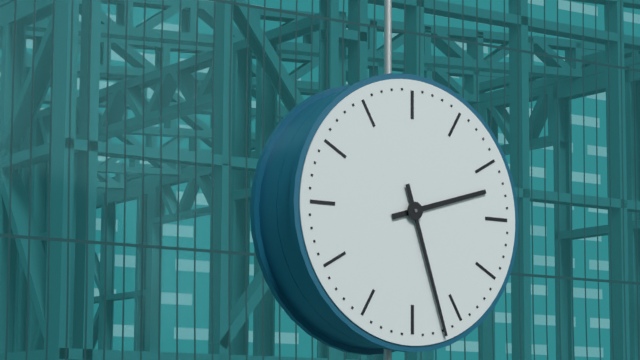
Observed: 2 h 27 min
